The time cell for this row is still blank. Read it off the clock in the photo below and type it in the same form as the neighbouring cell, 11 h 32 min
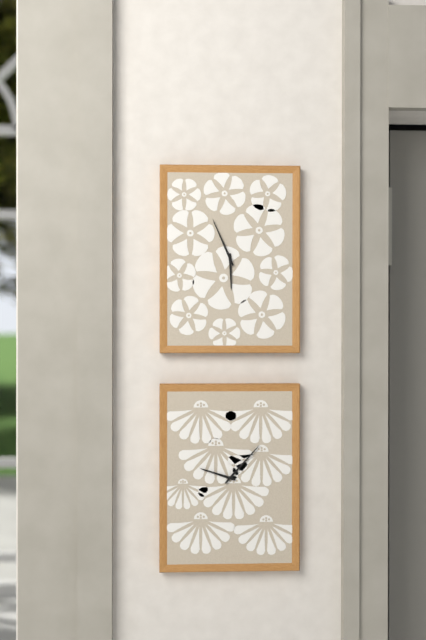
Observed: 5 h 56 min
